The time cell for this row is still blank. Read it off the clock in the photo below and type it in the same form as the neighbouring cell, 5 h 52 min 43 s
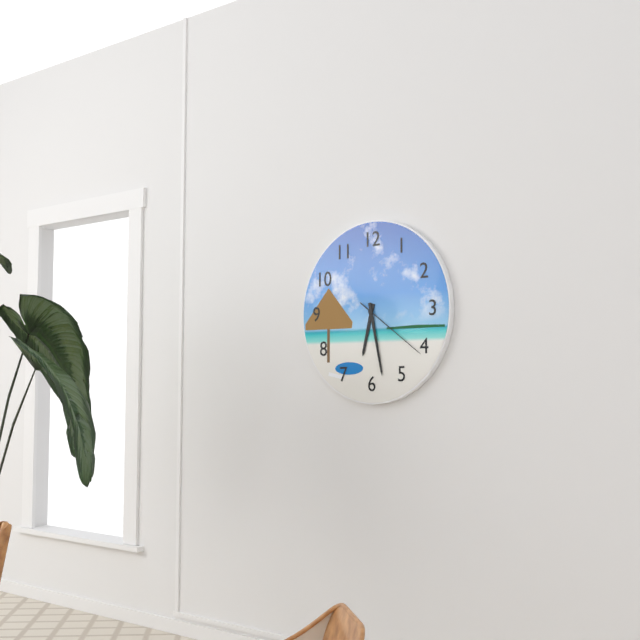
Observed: 6 h 28 min 21 s
